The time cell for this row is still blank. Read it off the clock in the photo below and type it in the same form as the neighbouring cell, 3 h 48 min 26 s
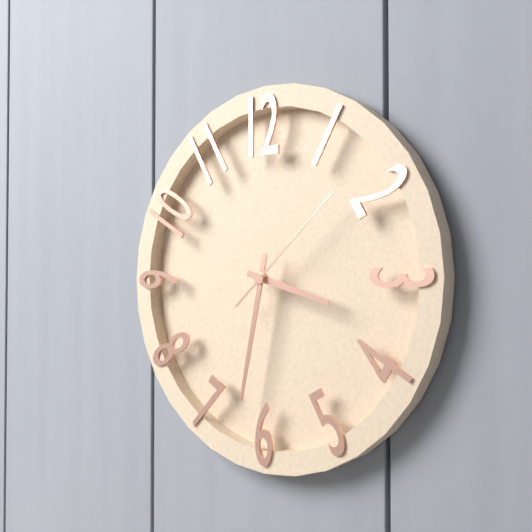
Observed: 3 h 32 min 08 s
